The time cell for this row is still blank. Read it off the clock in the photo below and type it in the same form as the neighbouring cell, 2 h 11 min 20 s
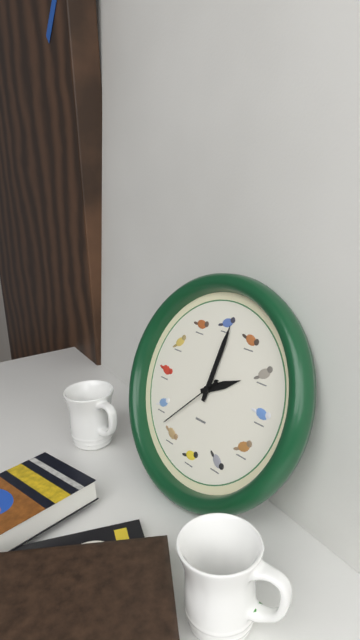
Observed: 2 h 01 min 37 s
